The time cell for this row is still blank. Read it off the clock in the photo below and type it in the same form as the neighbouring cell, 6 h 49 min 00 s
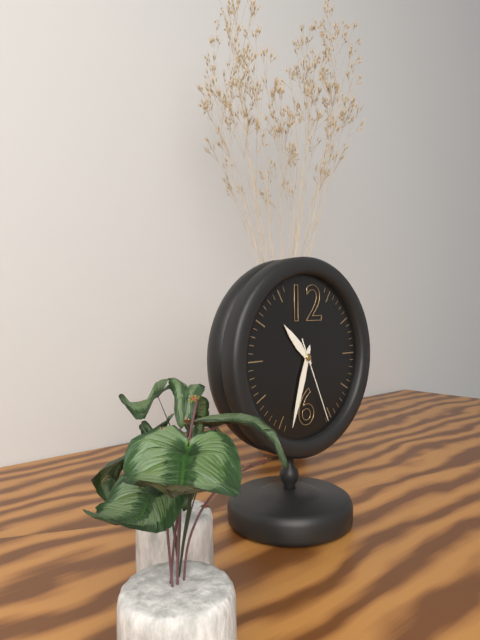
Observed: 10 h 33 min 26 s
